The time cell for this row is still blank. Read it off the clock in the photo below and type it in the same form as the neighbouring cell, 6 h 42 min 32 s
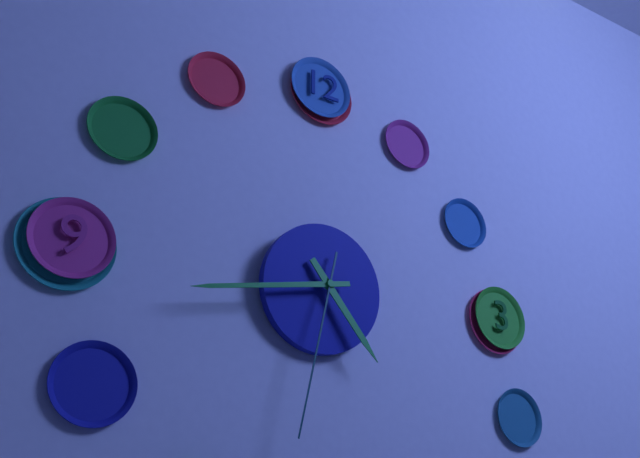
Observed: 4 h 43 min 32 s
